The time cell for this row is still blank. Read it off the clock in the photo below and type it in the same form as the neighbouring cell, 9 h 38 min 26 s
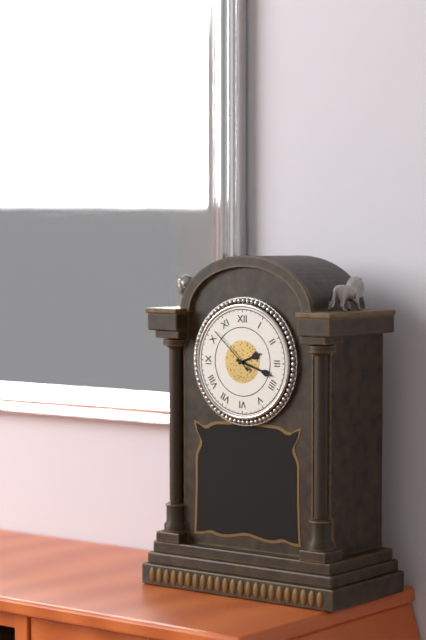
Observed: 2 h 18 min 52 s
